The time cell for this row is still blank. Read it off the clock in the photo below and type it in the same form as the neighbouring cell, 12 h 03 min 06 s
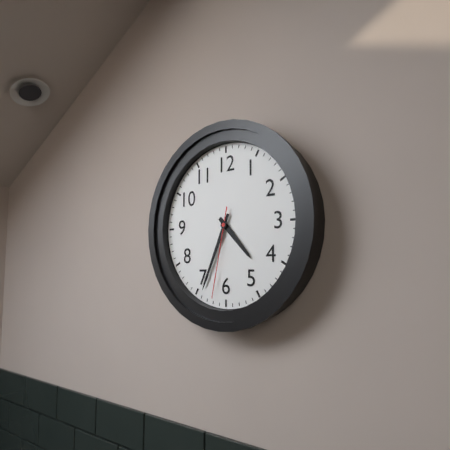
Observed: 4 h 34 min 32 s
